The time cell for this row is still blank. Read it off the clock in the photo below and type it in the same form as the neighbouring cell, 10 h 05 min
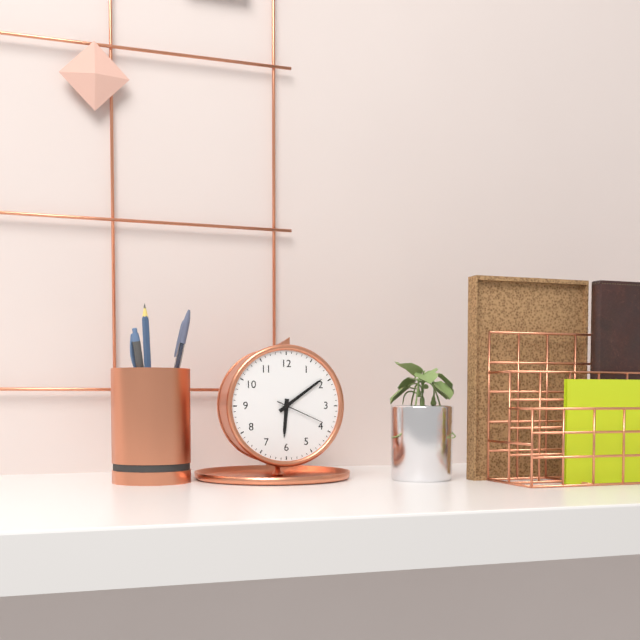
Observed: 6 h 09 min
